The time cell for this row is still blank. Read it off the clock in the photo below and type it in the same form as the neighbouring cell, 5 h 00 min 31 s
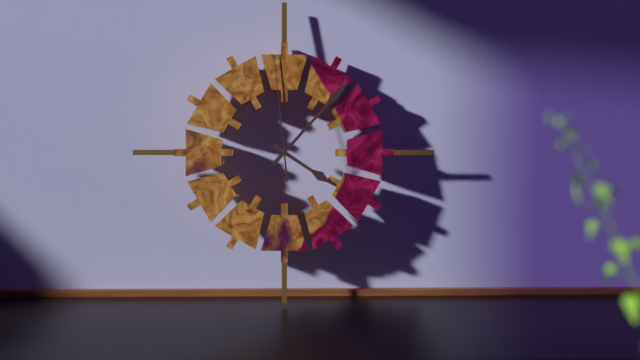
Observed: 4 h 07 min 59 s
